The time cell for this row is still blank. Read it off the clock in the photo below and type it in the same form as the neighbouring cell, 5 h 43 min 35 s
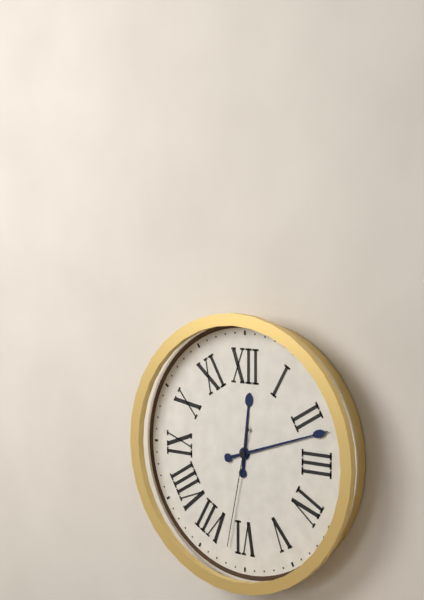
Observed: 12 h 12 min 32 s
